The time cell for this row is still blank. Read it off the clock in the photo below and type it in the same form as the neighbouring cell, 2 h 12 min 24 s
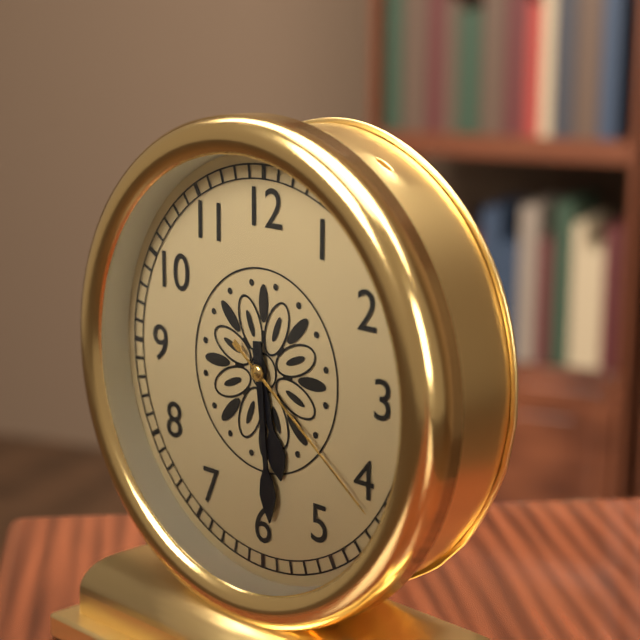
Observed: 5 h 29 min 21 s
